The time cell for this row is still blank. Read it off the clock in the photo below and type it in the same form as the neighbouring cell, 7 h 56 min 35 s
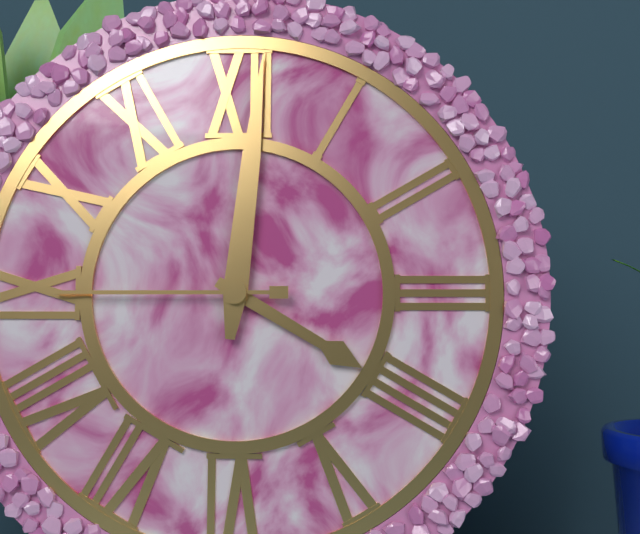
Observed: 4 h 01 min 45 s
